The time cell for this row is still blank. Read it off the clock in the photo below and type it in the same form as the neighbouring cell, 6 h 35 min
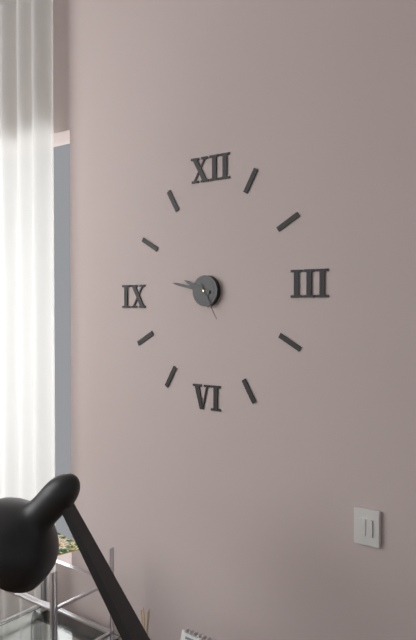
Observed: 9 h 47 min
